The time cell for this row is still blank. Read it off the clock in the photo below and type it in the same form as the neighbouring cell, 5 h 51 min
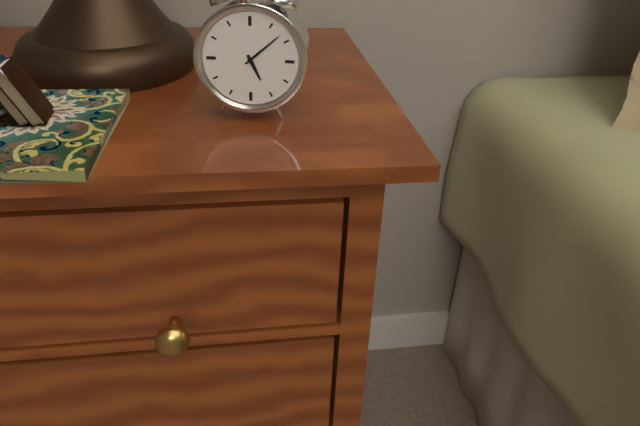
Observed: 5 h 08 min
